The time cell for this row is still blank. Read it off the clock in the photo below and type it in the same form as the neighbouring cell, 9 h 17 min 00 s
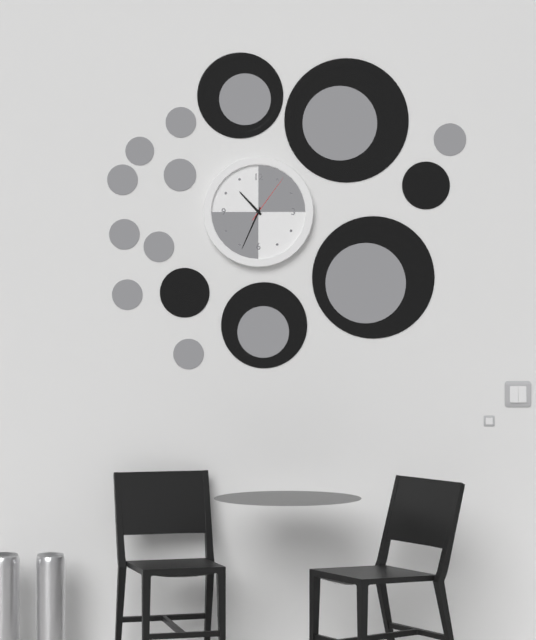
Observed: 10 h 34 min 06 s
